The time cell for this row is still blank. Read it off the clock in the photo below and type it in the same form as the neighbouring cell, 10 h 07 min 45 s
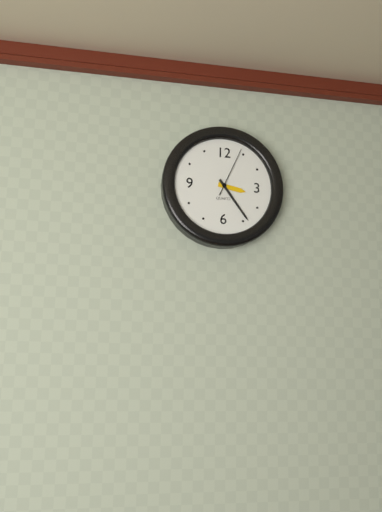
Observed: 3 h 24 min 04 s
